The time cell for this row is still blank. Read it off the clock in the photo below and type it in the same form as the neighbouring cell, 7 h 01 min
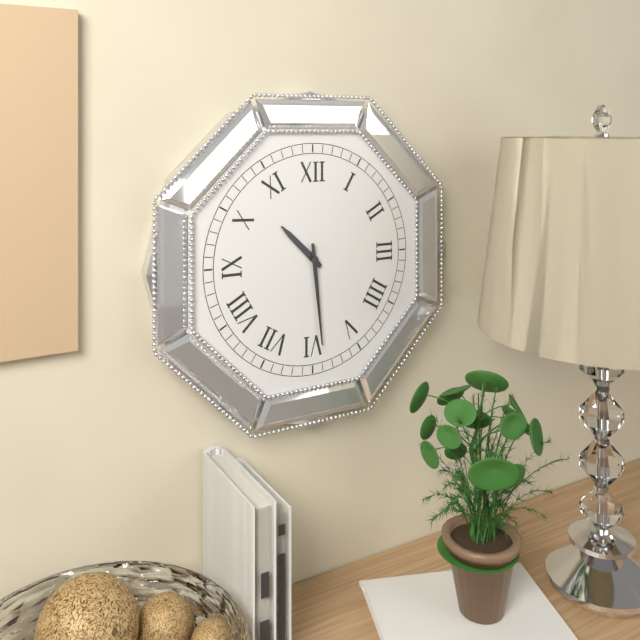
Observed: 10 h 29 min
